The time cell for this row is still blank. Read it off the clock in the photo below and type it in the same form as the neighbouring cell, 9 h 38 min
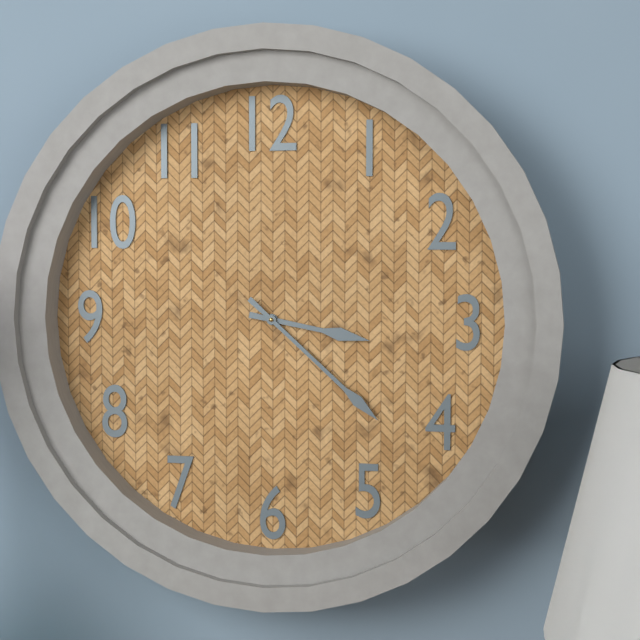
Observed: 3 h 22 min
